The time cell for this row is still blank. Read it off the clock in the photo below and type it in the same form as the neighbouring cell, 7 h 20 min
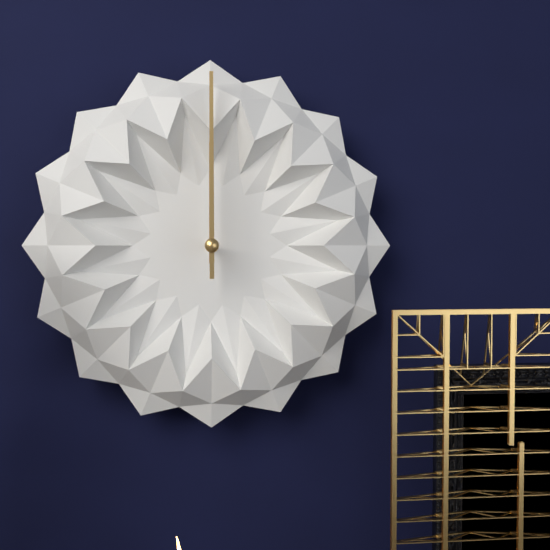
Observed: 12 h 00 min
